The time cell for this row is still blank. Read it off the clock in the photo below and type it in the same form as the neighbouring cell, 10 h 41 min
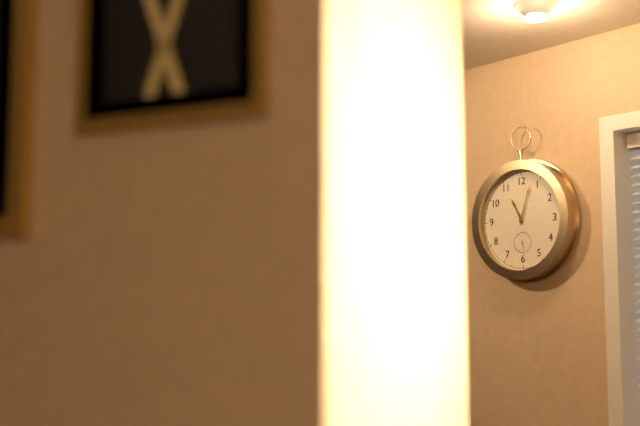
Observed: 11 h 03 min
